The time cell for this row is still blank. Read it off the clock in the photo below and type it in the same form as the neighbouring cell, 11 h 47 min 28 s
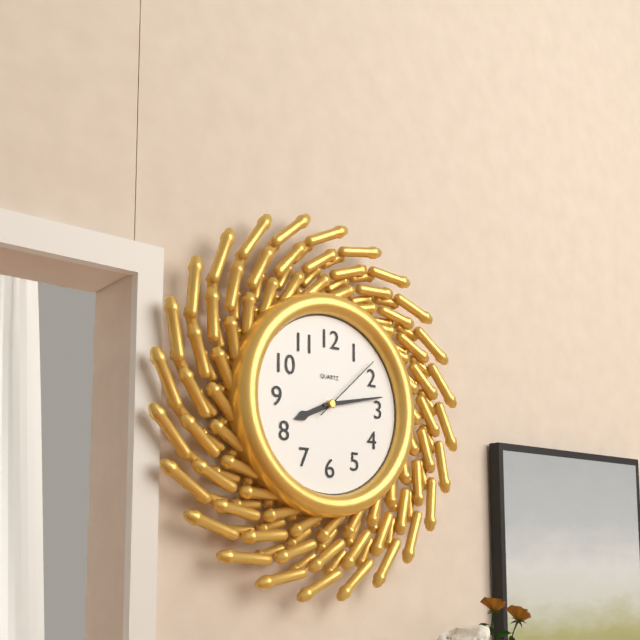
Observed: 8 h 13 min 08 s
